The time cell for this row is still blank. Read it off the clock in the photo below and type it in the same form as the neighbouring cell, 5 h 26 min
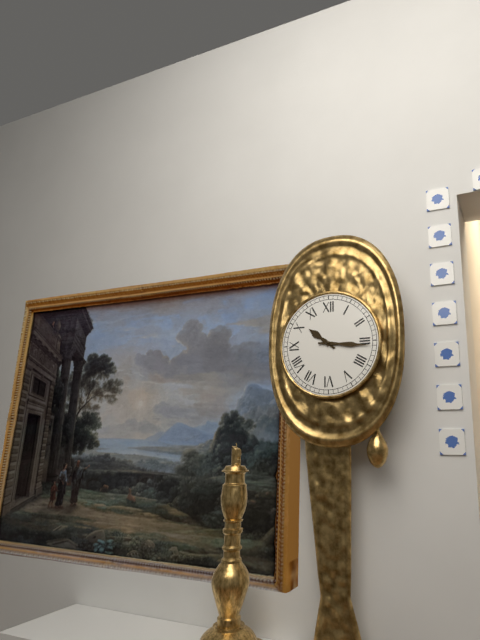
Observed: 10 h 16 min
